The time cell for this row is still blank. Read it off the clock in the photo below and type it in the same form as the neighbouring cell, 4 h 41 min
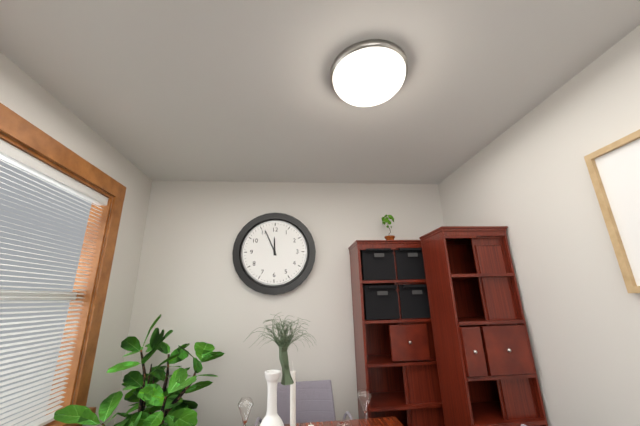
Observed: 11 h 56 min
